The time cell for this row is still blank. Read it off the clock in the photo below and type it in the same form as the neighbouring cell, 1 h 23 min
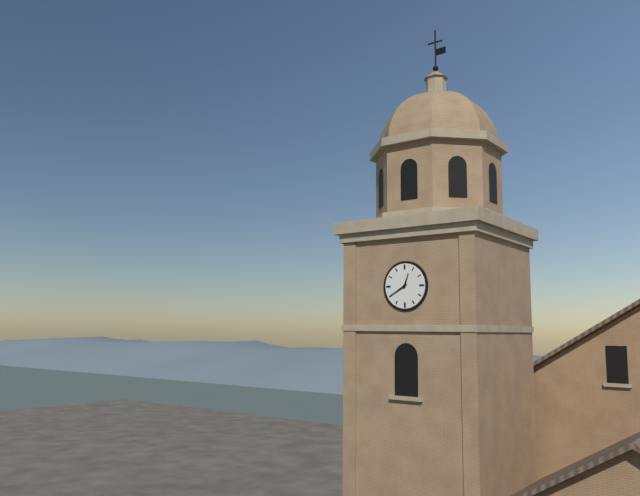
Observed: 12 h 40 min
